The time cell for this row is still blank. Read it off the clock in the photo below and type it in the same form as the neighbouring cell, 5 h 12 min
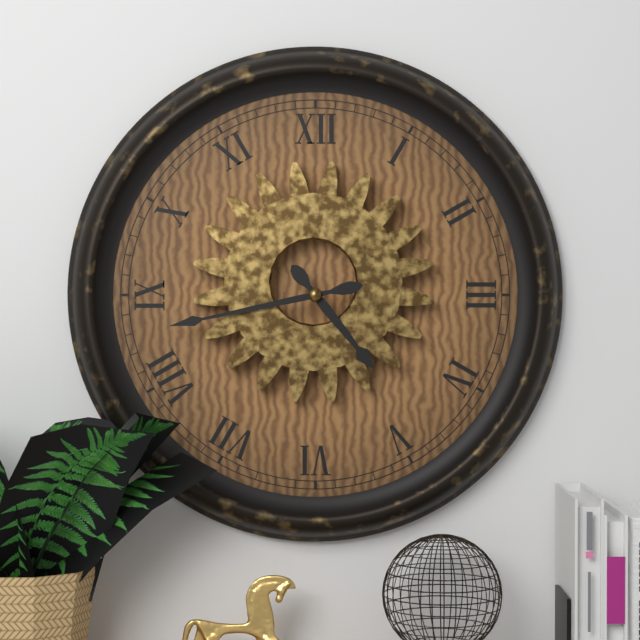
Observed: 4 h 43 min
